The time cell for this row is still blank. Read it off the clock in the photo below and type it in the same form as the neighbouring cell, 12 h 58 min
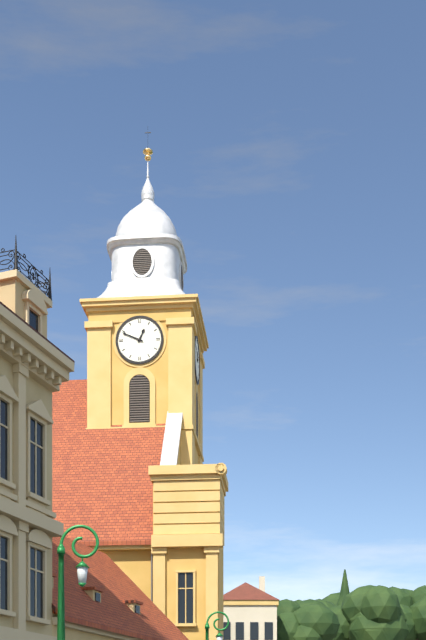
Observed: 12 h 49 min
